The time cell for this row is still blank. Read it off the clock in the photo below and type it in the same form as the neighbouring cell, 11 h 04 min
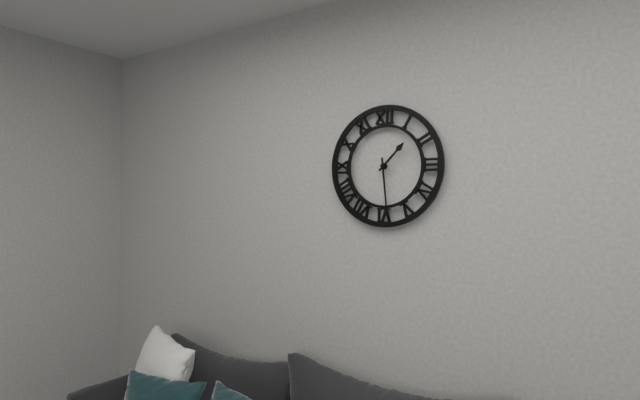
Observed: 1 h 29 min
